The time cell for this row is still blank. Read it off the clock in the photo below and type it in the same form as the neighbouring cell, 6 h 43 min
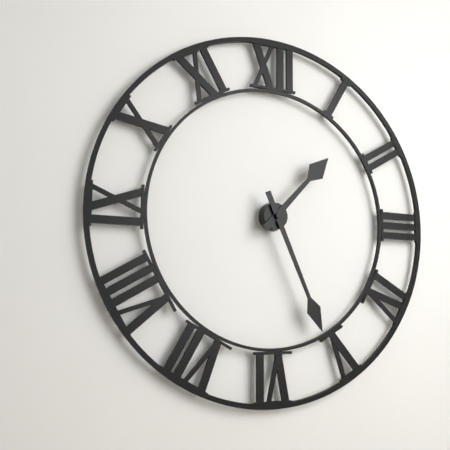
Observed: 1 h 26 min
